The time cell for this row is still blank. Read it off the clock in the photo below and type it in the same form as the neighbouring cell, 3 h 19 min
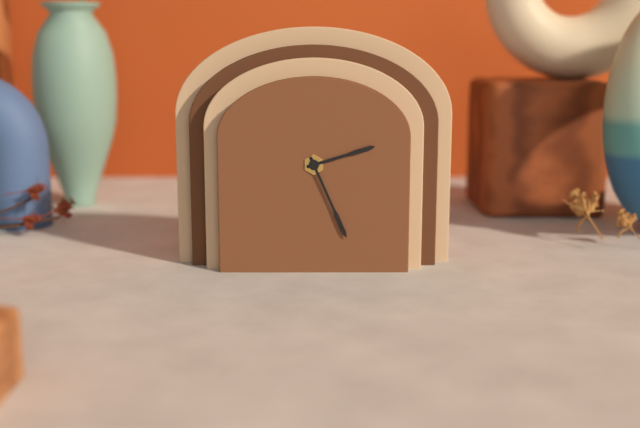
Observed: 2 h 26 min
